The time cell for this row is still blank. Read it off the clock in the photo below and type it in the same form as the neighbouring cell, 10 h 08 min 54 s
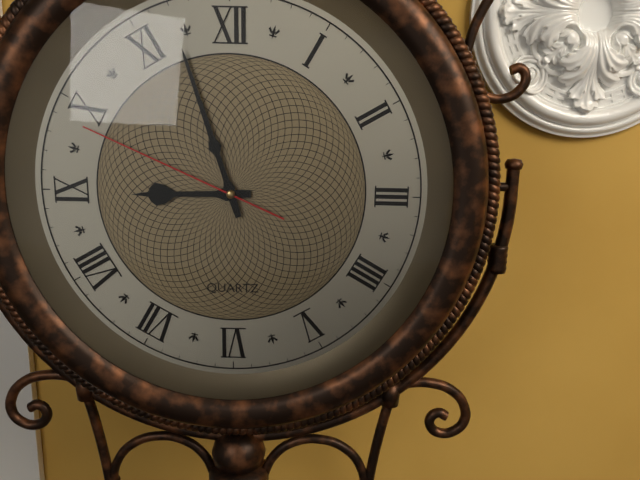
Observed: 8 h 57 min 49 s
